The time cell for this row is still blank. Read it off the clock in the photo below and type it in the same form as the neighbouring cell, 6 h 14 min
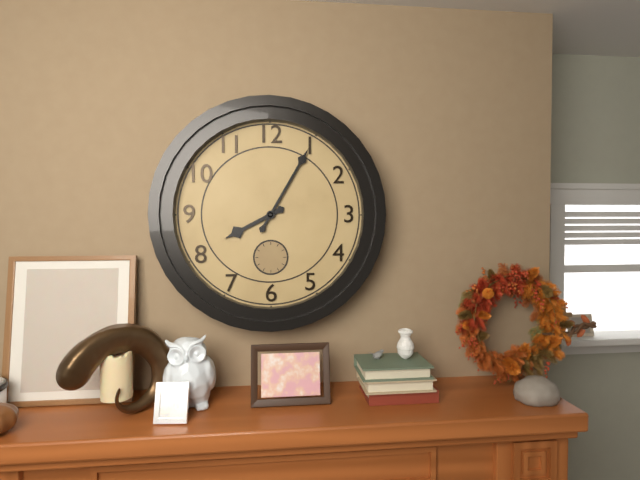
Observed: 8 h 05 min
